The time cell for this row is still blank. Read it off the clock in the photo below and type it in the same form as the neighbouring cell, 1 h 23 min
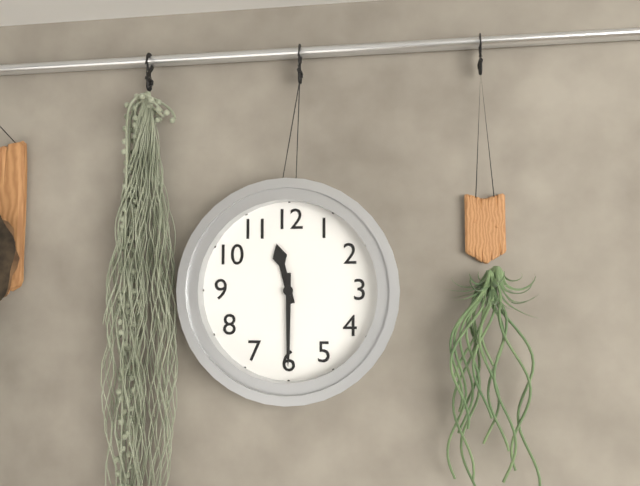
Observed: 11 h 30 min
